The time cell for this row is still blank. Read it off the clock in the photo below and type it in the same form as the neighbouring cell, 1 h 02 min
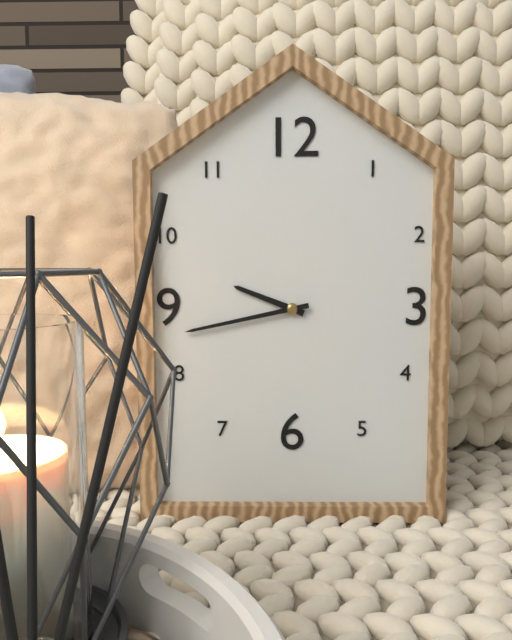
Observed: 9 h 43 min
